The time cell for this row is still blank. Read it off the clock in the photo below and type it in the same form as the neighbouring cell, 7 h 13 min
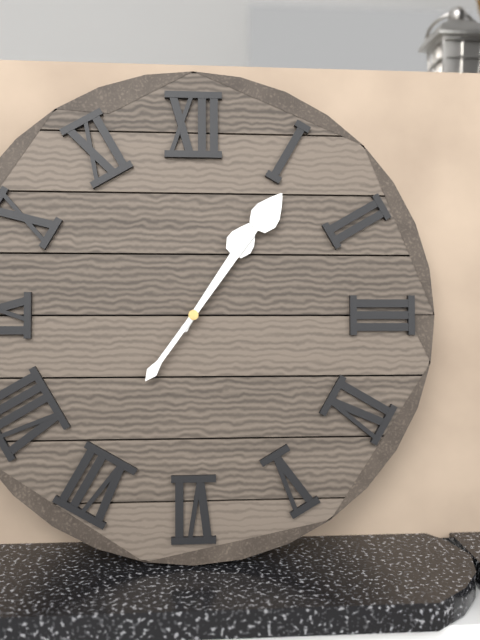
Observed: 1 h 06 min
